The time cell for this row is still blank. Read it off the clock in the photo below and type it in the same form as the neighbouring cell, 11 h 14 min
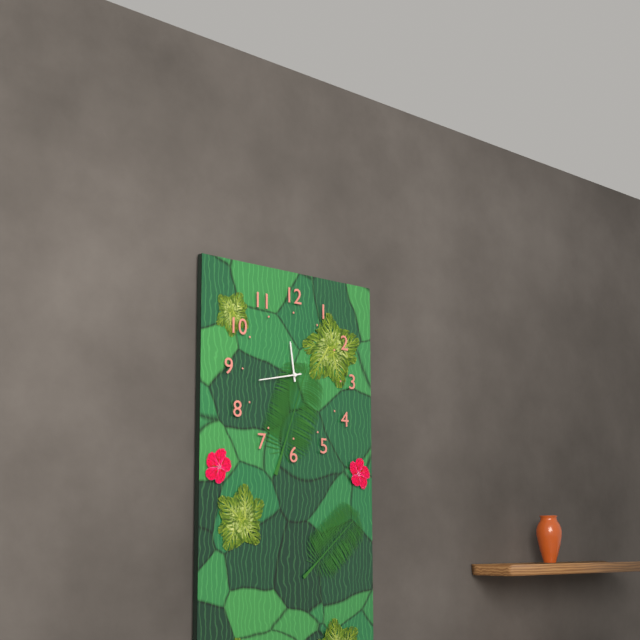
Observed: 11 h 43 min
